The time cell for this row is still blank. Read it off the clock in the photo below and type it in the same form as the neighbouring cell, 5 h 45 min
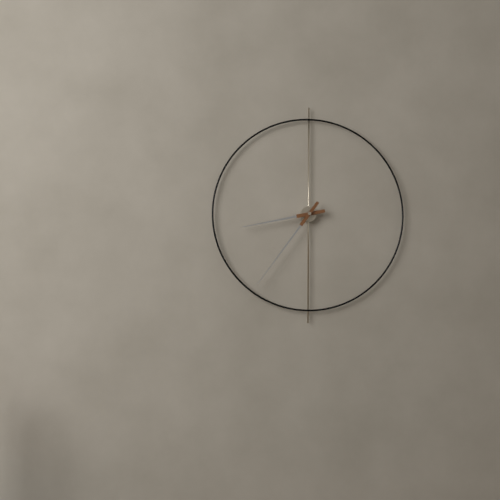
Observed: 8 h 36 min
